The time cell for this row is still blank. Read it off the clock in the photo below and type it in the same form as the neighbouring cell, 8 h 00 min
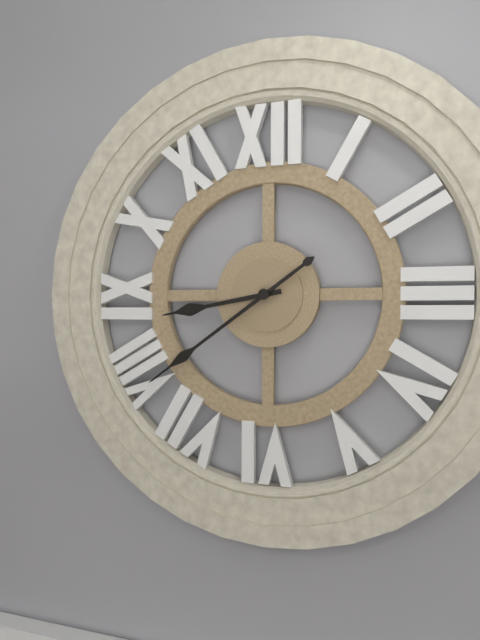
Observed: 8 h 39 min
